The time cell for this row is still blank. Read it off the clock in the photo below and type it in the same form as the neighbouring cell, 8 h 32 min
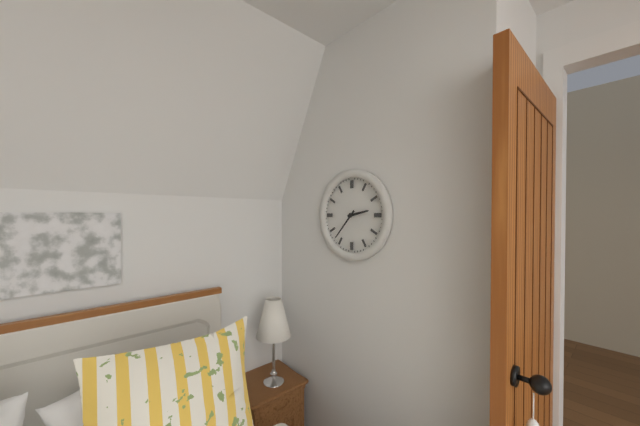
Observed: 2 h 37 min
